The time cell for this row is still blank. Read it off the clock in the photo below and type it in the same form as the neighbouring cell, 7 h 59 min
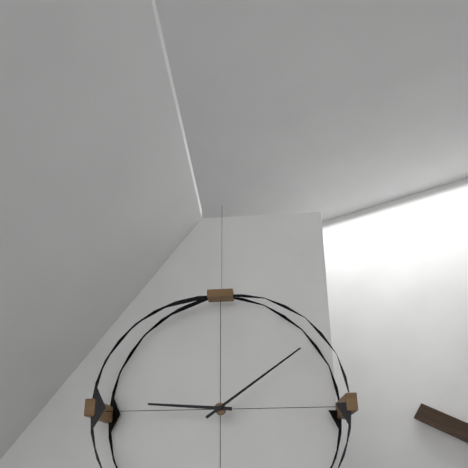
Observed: 9 h 09 min
